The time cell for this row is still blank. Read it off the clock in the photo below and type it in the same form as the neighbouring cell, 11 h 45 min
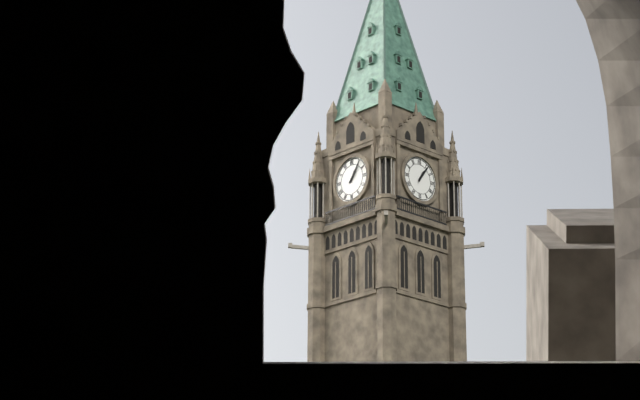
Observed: 1 h 06 min
